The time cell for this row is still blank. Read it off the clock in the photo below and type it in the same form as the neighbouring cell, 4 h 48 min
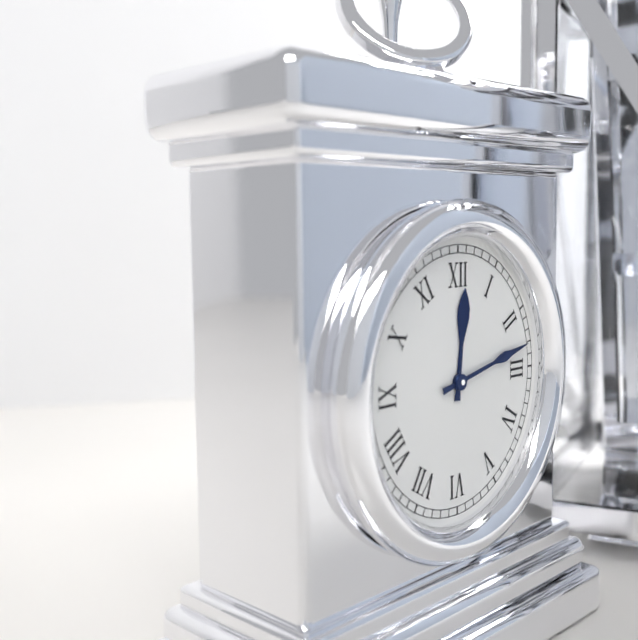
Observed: 12 h 13 min
